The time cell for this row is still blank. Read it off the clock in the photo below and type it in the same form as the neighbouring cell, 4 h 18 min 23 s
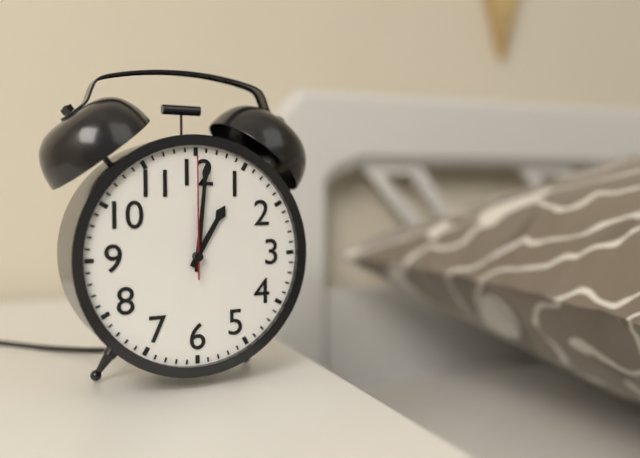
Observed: 1 h 01 min 00 s
